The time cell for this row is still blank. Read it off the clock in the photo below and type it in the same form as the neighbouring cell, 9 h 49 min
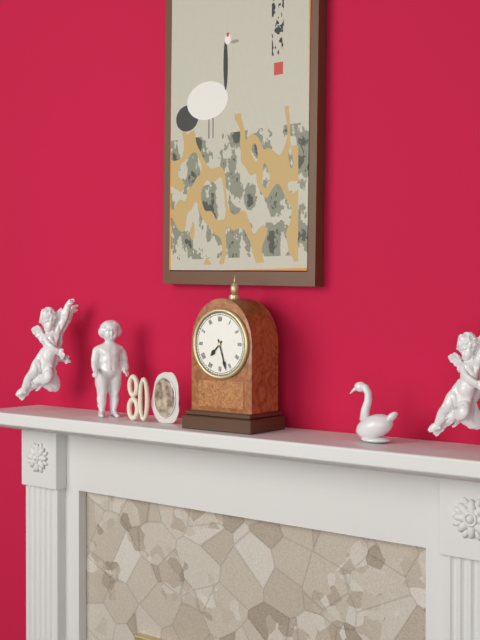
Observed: 7 h 27 min
